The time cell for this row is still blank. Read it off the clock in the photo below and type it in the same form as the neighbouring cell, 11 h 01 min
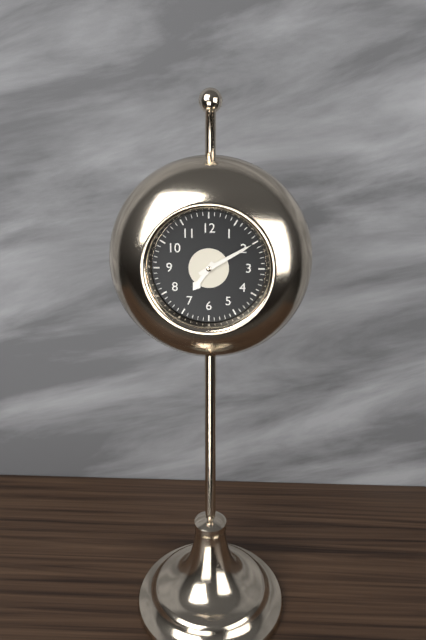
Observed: 7 h 10 min
